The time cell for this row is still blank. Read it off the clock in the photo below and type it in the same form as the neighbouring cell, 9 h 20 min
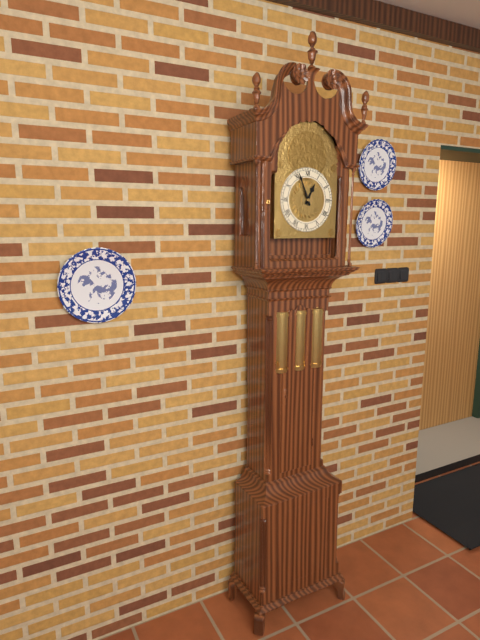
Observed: 12 h 56 min
